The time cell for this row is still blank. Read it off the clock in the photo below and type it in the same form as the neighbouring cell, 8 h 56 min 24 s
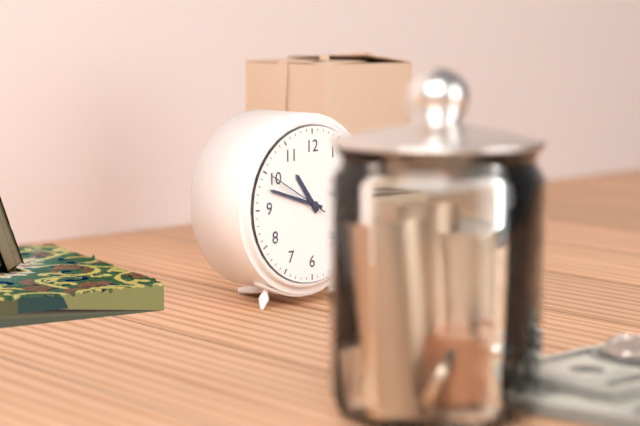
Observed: 10 h 48 min 50 s
